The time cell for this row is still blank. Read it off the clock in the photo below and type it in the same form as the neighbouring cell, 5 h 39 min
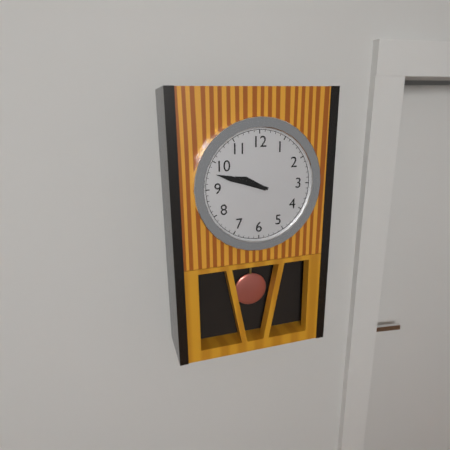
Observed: 9 h 48 min
